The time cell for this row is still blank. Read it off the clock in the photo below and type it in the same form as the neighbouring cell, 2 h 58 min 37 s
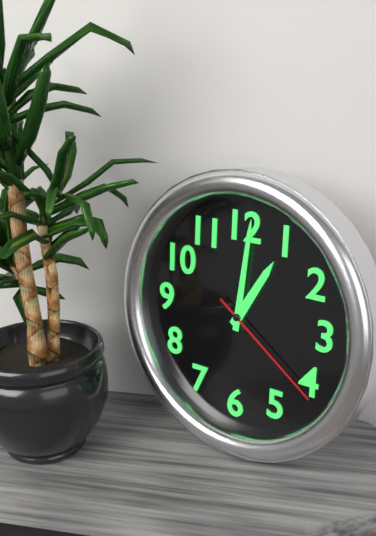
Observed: 1 h 01 min 21 s
